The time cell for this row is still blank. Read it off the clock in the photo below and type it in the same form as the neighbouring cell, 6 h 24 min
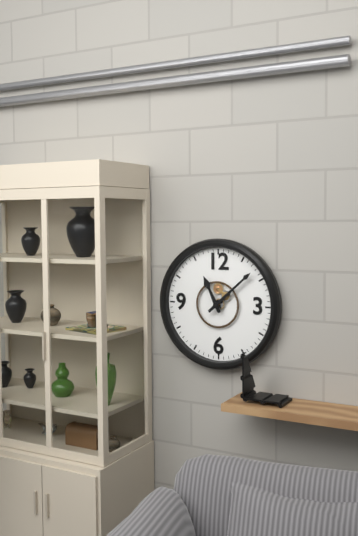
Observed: 11 h 08 min
